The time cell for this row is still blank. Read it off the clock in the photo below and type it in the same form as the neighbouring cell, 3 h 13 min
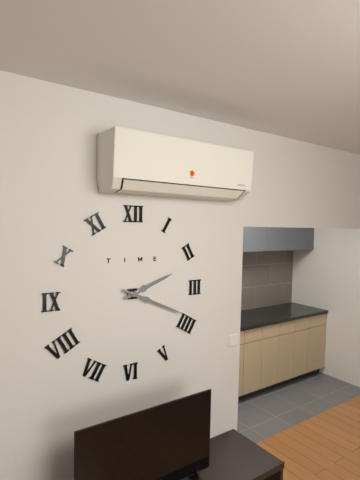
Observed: 2 h 19 min
